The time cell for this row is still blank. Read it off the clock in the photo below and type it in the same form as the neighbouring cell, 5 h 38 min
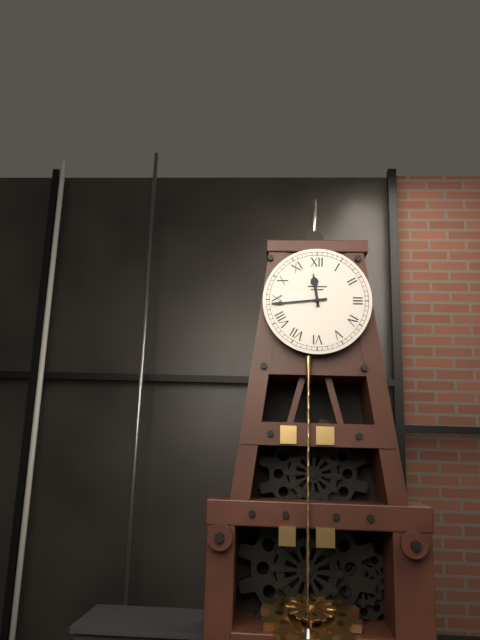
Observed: 11 h 44 min
